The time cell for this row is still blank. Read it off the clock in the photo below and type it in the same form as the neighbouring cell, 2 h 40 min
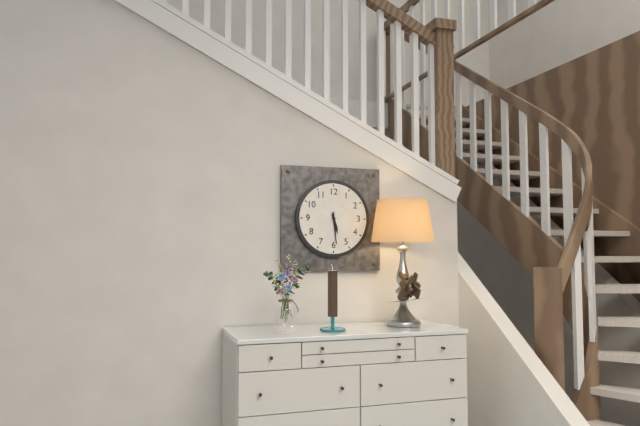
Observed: 5 h 29 min
